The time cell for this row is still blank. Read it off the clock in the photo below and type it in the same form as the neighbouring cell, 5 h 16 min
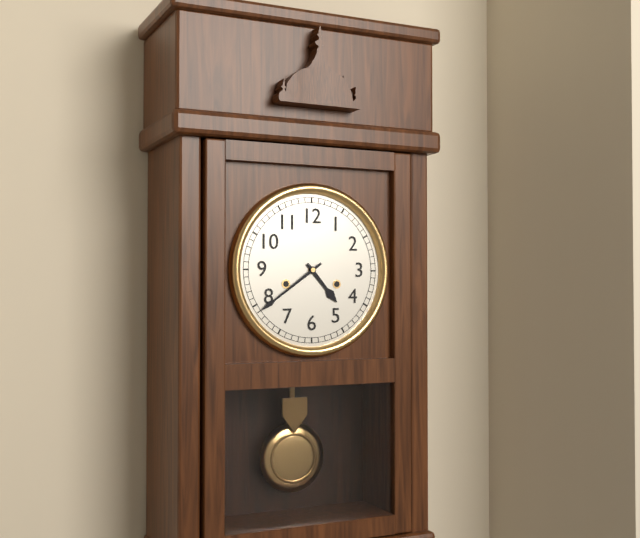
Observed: 4 h 39 min
